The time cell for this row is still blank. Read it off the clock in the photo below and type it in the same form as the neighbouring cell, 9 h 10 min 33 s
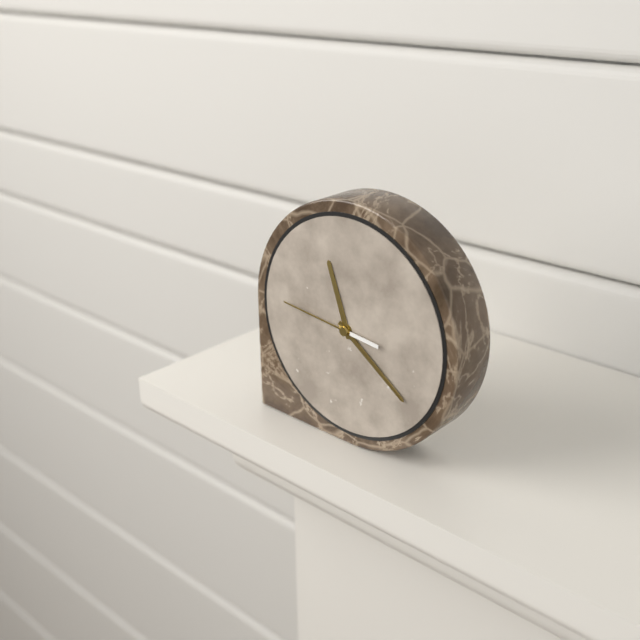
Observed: 11 h 21 min 46 s
